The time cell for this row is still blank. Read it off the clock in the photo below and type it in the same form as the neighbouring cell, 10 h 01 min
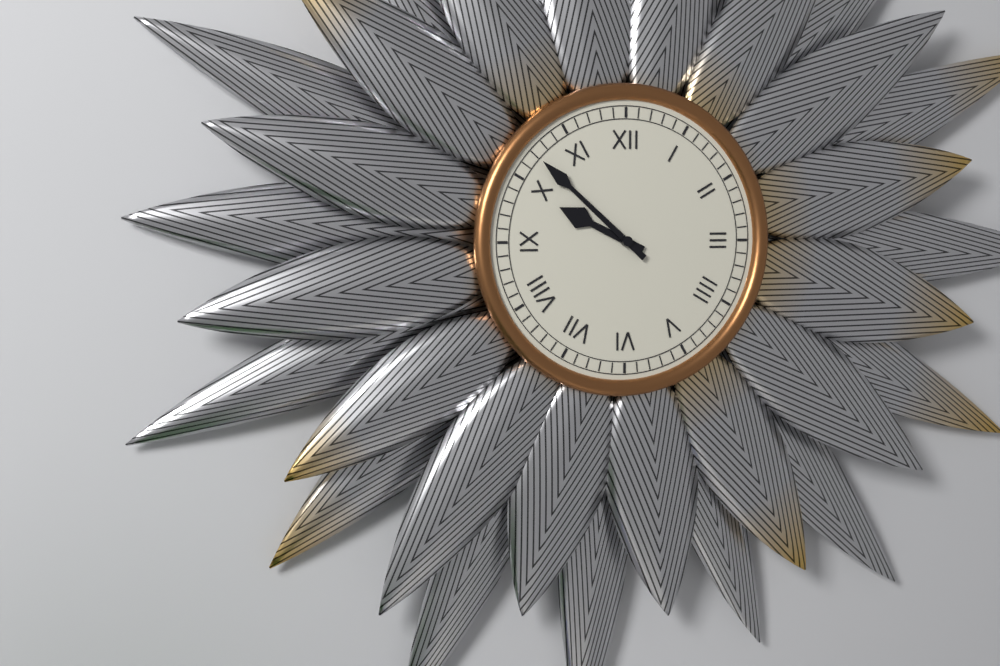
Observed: 9 h 52 min
